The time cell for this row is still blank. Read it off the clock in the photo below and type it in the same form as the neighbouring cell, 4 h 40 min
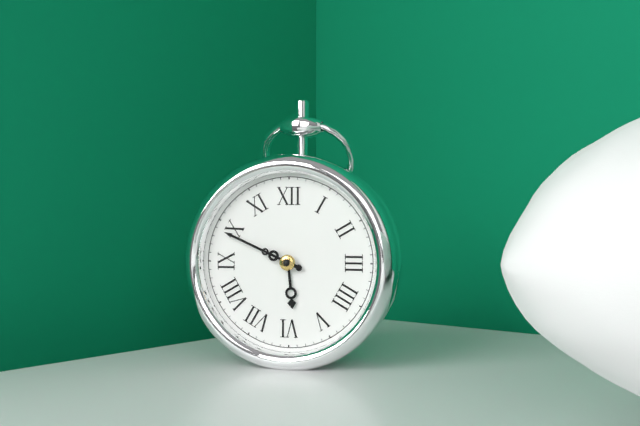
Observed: 5 h 49 min
